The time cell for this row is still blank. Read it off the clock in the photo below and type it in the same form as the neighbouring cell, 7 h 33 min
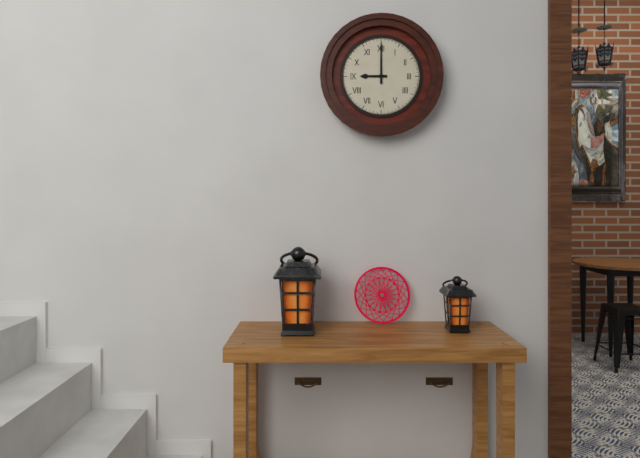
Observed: 9 h 00 min
